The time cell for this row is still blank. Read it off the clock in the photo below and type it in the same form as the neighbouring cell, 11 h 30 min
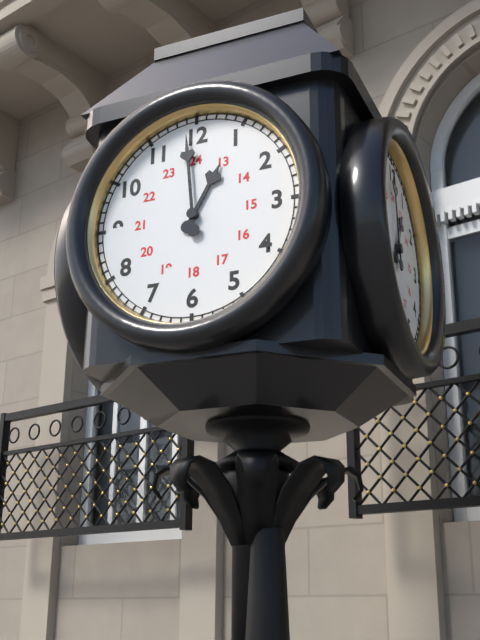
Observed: 12 h 59 min
